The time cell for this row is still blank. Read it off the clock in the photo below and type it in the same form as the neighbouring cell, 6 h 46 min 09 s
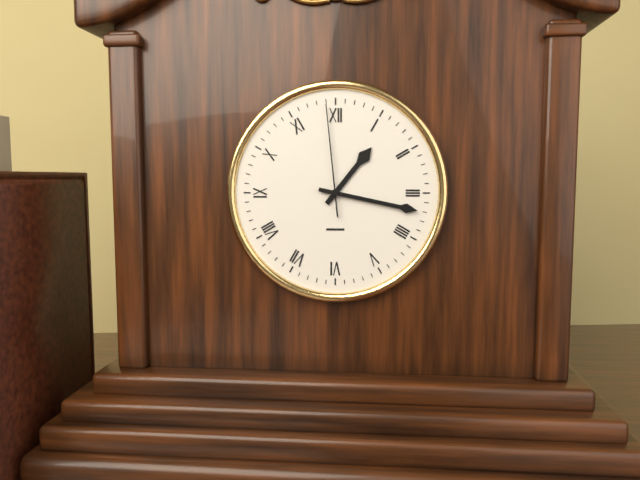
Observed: 1 h 17 min 59 s
